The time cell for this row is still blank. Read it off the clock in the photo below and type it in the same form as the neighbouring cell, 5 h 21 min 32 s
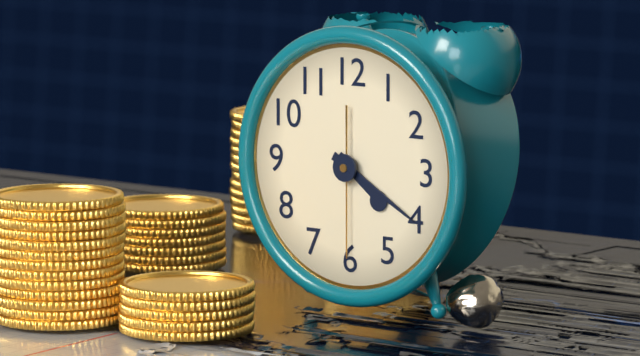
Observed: 4 h 20 min 30 s
